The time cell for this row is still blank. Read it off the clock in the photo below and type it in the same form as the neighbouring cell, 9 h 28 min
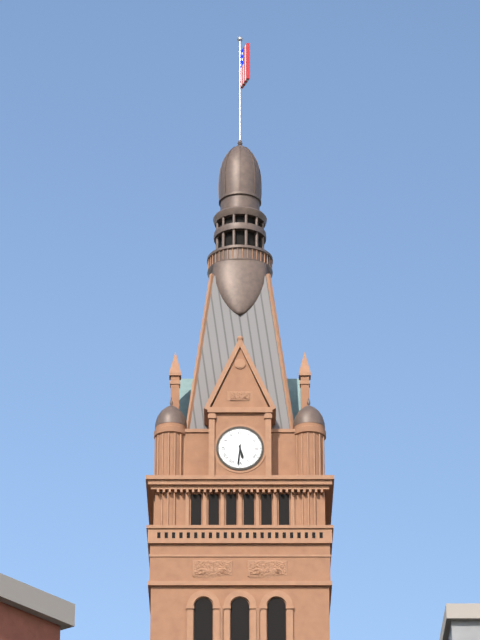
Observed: 5 h 31 min
